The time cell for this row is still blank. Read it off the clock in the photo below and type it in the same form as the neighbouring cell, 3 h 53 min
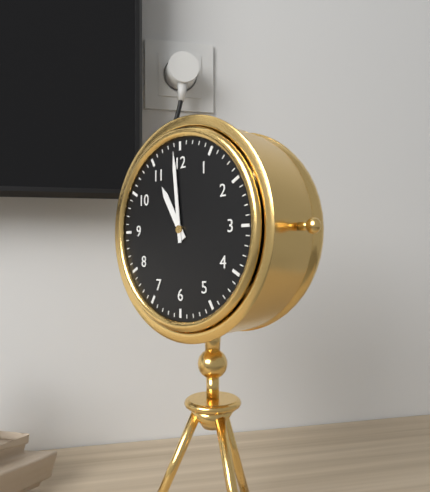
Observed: 10 h 59 min
